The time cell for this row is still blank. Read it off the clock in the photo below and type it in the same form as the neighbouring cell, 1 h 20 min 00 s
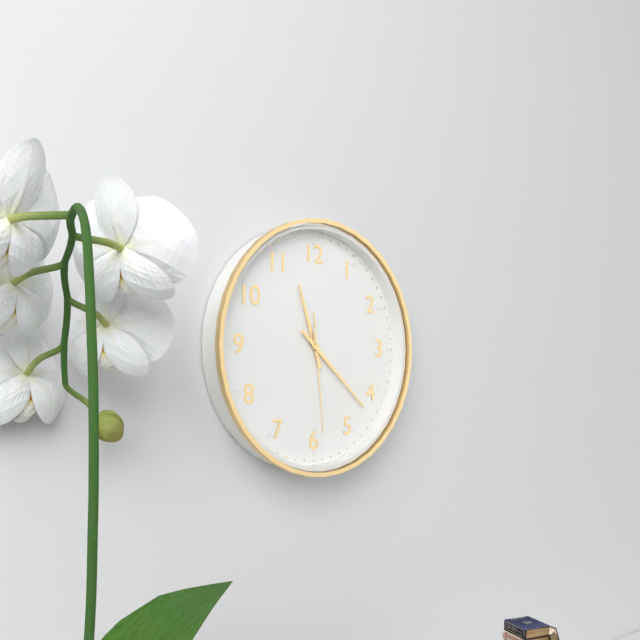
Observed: 11 h 22 min 29 s
